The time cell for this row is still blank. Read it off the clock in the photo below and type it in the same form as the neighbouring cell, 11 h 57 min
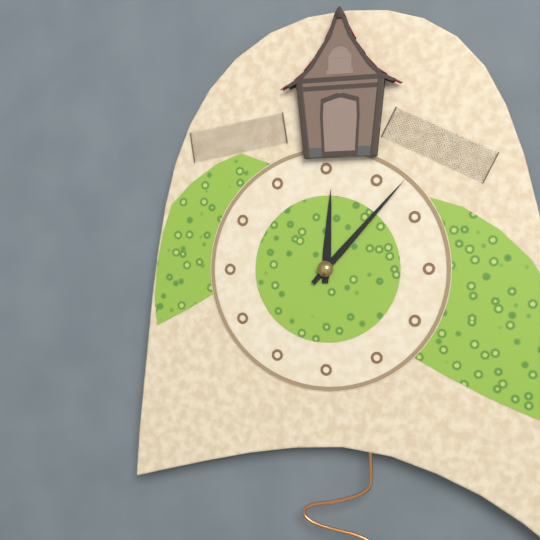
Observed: 12 h 07 min
